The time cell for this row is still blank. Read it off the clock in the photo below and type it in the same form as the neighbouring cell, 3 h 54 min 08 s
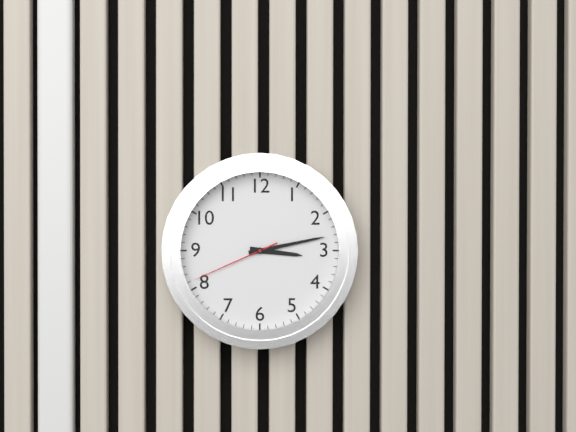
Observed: 3 h 13 min 41 s
